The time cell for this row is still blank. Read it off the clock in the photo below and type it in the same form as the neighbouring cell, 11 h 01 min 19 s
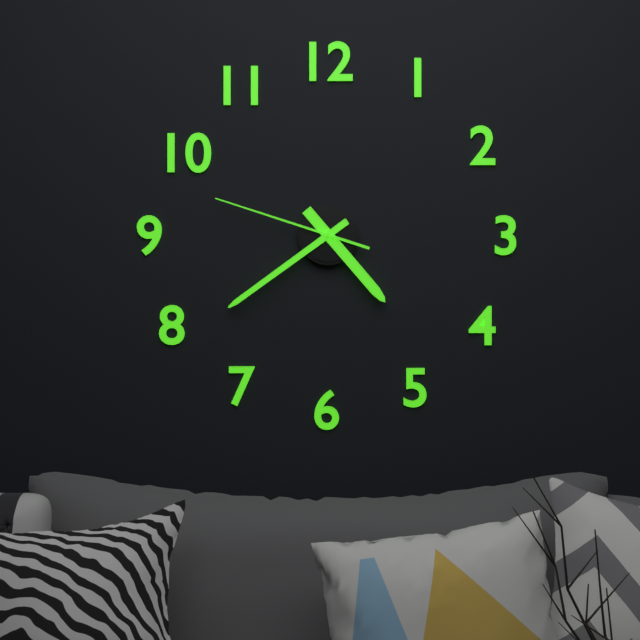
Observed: 4 h 39 min 48 s
